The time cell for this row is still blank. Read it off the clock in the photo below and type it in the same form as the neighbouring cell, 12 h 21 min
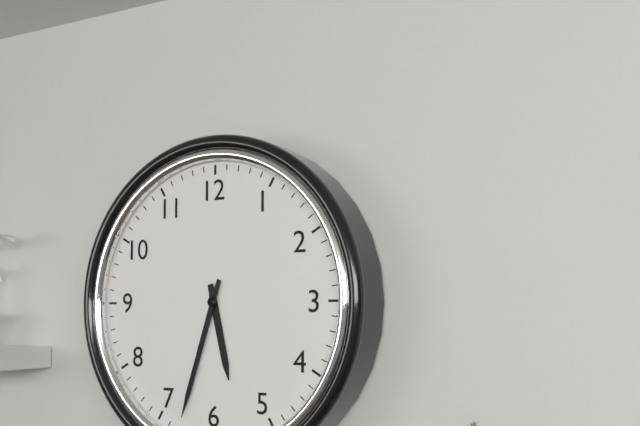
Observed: 5 h 33 min
